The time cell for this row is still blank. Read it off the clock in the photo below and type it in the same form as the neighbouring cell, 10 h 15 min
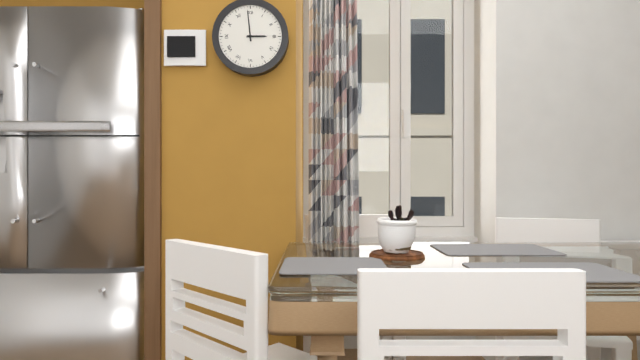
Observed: 2 h 59 min
